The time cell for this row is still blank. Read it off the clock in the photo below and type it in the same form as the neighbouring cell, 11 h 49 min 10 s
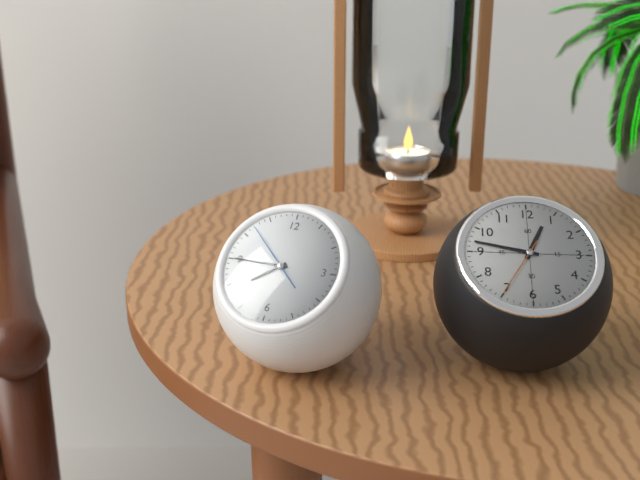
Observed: 7 h 45 min 52 s
